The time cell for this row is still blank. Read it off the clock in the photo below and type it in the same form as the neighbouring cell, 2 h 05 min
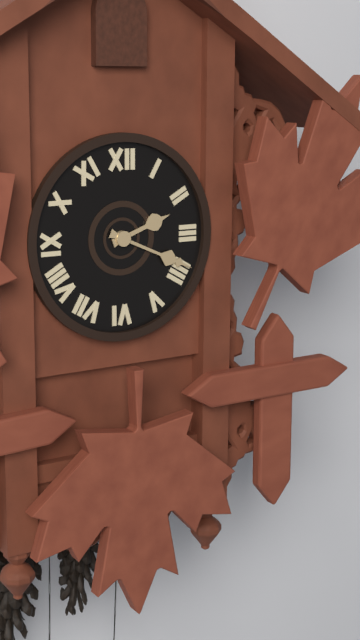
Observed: 2 h 19 min
